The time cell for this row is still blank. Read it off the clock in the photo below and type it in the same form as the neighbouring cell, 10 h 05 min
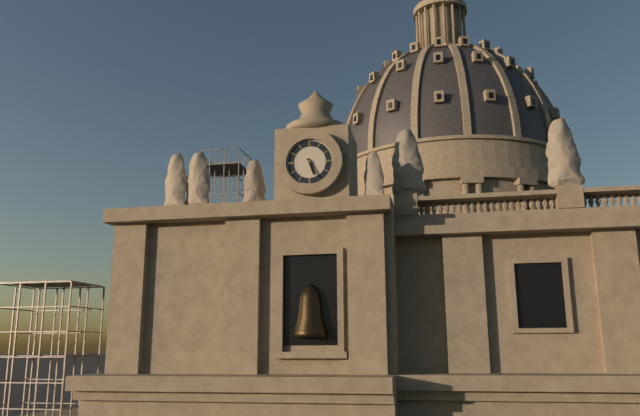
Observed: 5 h 25 min
